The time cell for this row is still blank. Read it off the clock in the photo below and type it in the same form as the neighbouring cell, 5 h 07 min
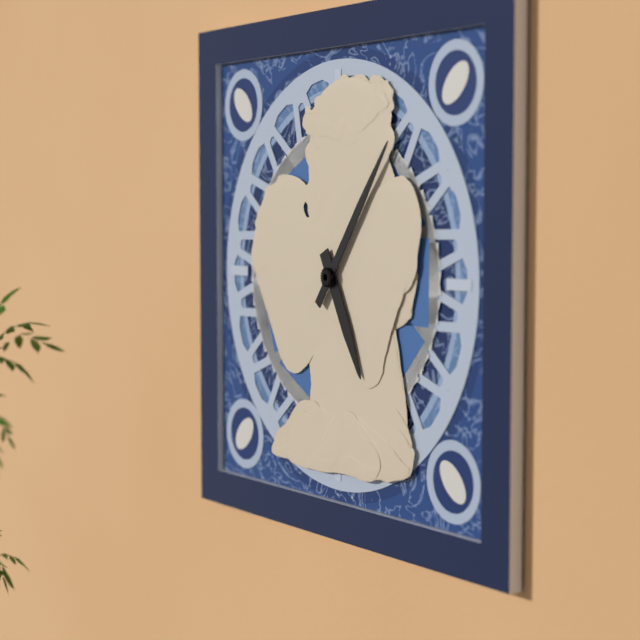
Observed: 5 h 06 min
